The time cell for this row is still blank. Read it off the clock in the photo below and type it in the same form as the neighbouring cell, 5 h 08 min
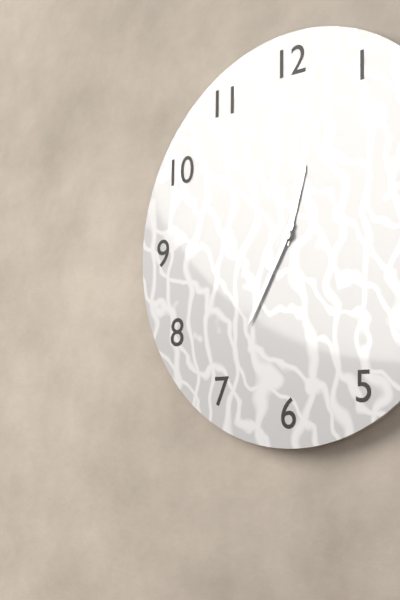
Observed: 12 h 35 min
